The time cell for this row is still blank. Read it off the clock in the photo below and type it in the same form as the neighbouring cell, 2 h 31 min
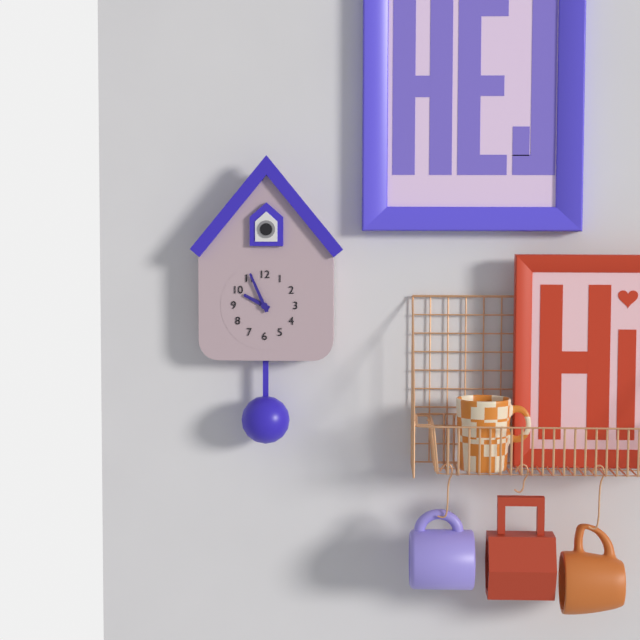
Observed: 9 h 56 min
